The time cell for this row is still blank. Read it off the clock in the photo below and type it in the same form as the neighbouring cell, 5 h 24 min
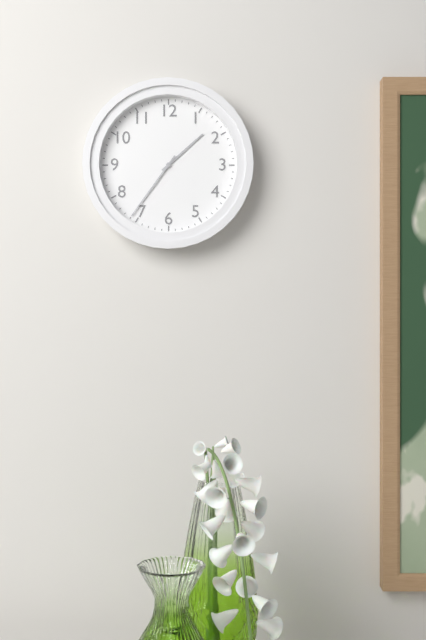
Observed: 1 h 36 min
